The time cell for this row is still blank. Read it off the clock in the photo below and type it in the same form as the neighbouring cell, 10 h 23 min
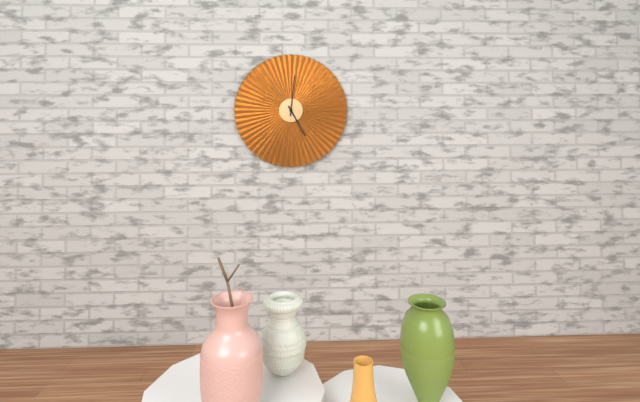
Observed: 5 h 01 min
